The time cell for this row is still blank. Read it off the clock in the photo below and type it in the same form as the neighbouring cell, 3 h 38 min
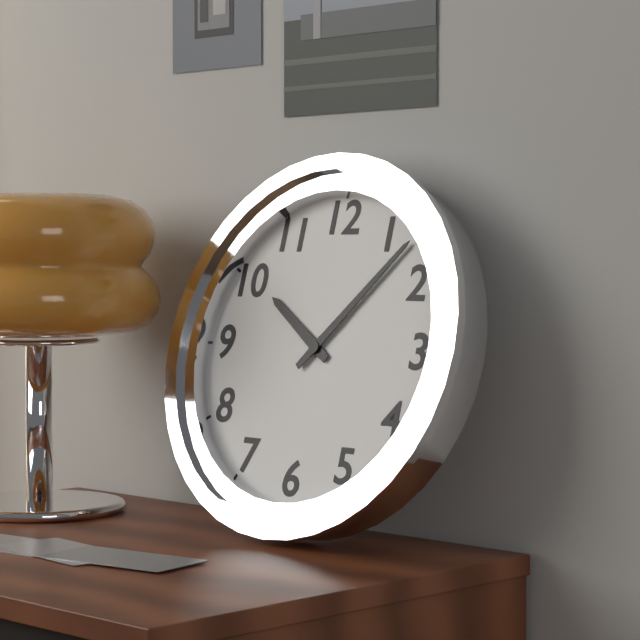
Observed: 10 h 07 min
